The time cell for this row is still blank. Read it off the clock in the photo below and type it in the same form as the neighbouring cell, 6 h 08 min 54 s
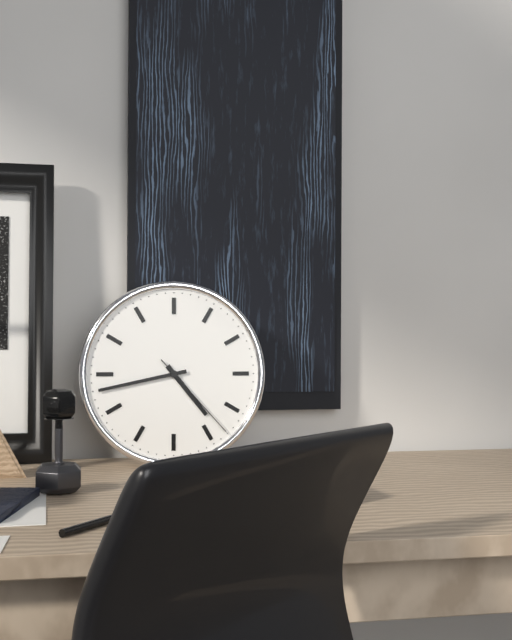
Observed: 4 h 43 min 23 s
